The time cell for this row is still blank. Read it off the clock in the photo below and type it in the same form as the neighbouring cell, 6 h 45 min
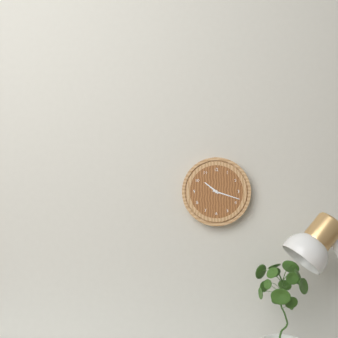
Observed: 10 h 18 min
